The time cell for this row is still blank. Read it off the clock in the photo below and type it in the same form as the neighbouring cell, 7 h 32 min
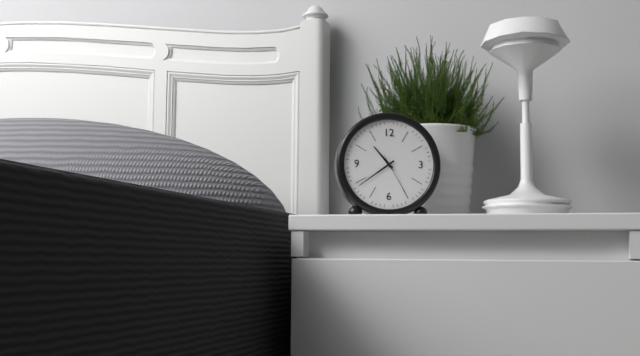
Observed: 10 h 39 min
